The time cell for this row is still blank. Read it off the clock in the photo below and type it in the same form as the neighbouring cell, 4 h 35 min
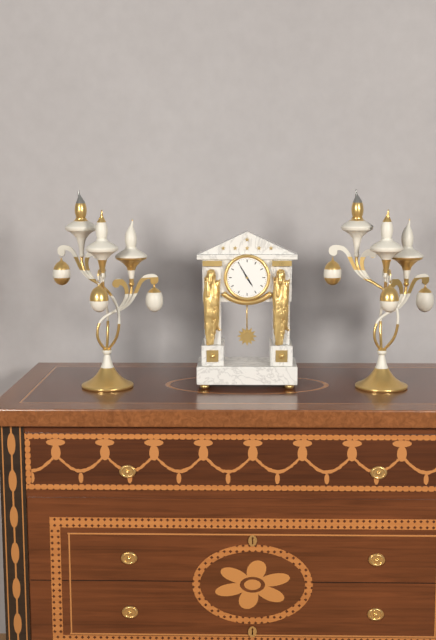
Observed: 4 h 55 min
